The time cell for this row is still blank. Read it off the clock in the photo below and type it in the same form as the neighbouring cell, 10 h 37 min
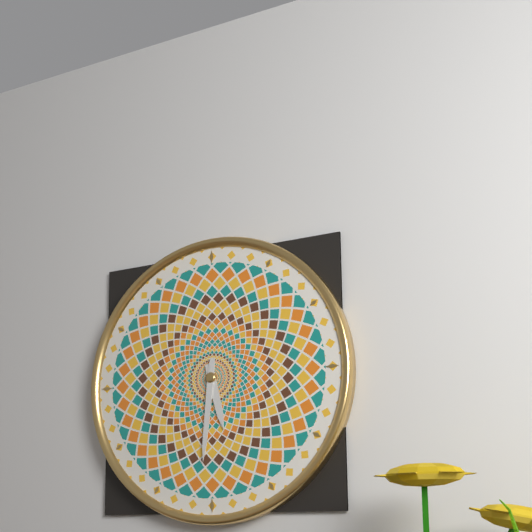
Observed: 5 h 31 min
